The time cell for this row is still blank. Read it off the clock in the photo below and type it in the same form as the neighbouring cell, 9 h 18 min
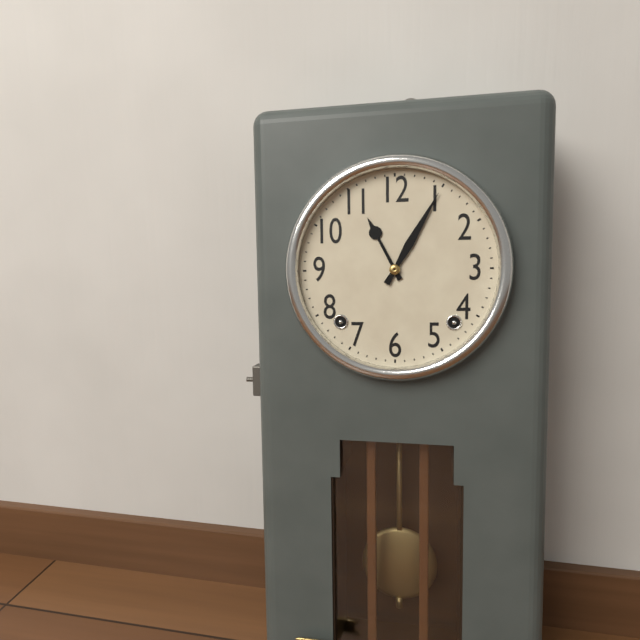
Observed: 11 h 05 min
